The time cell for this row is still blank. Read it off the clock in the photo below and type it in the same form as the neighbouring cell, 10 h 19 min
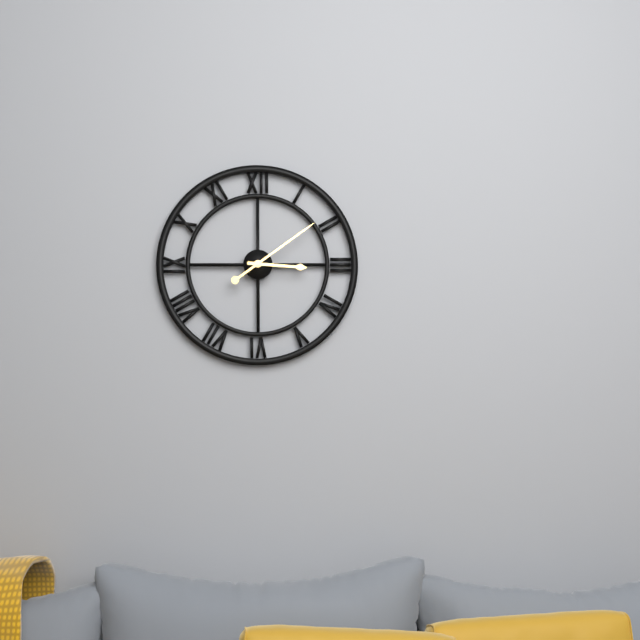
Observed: 3 h 09 min
